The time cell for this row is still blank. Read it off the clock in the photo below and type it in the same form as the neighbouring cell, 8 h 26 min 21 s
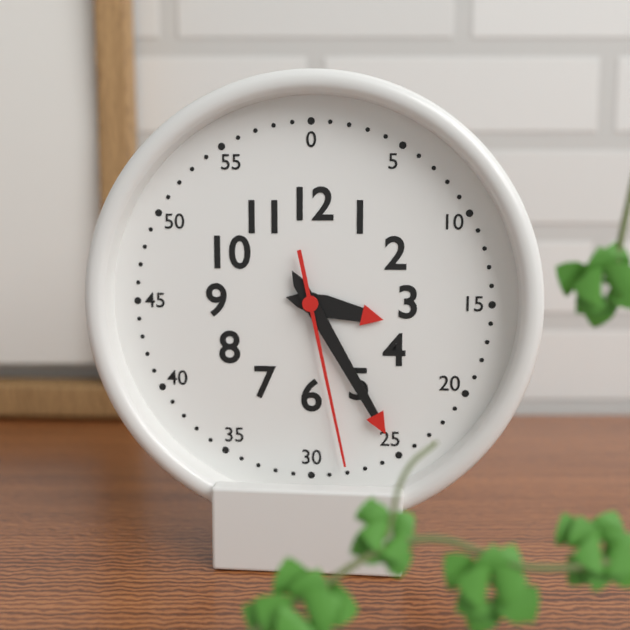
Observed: 3 h 25 min 28 s
